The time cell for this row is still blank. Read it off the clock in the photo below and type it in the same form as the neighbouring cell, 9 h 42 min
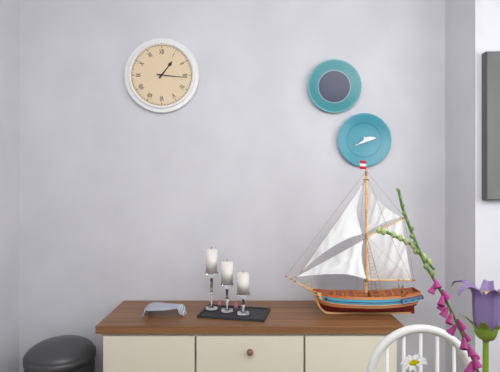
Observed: 1 h 16 min
